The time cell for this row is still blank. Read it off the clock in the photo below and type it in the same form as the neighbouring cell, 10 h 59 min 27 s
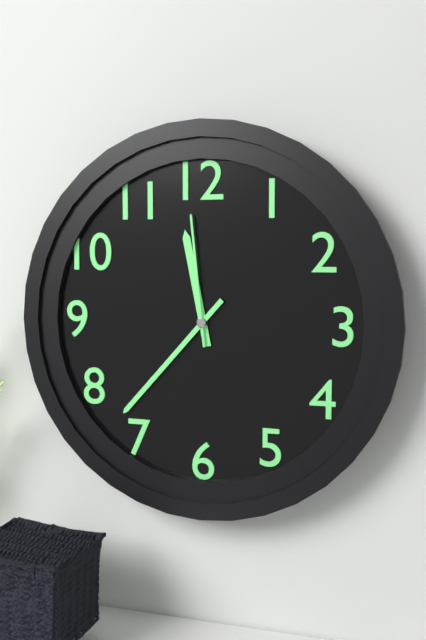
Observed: 11 h 37 min 59 s
